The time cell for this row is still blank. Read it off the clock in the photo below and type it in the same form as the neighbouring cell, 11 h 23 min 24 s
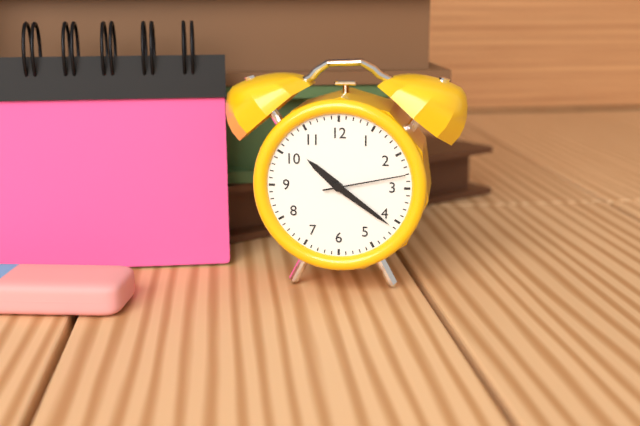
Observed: 10 h 21 min 13 s
